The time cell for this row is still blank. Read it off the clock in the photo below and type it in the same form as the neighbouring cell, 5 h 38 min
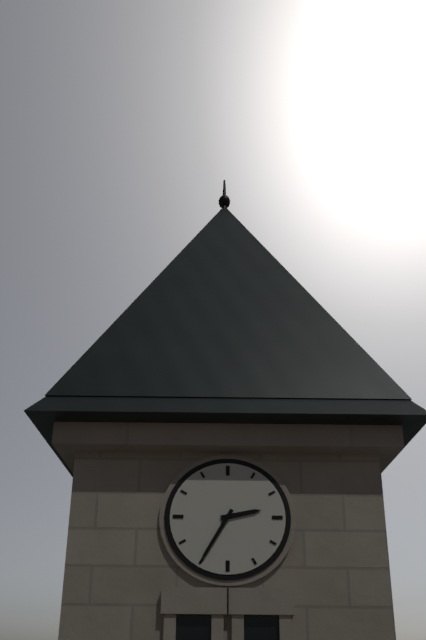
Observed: 2 h 35 min
